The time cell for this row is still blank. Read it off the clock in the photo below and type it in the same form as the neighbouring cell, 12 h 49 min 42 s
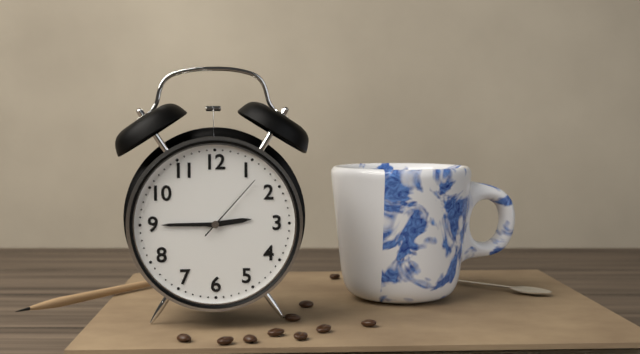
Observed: 2 h 45 min 07 s
